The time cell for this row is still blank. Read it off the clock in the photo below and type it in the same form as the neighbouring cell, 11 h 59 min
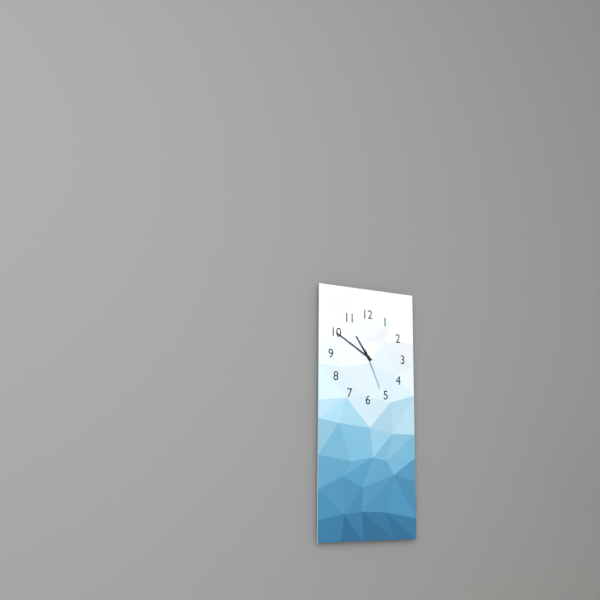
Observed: 10 h 50 min
